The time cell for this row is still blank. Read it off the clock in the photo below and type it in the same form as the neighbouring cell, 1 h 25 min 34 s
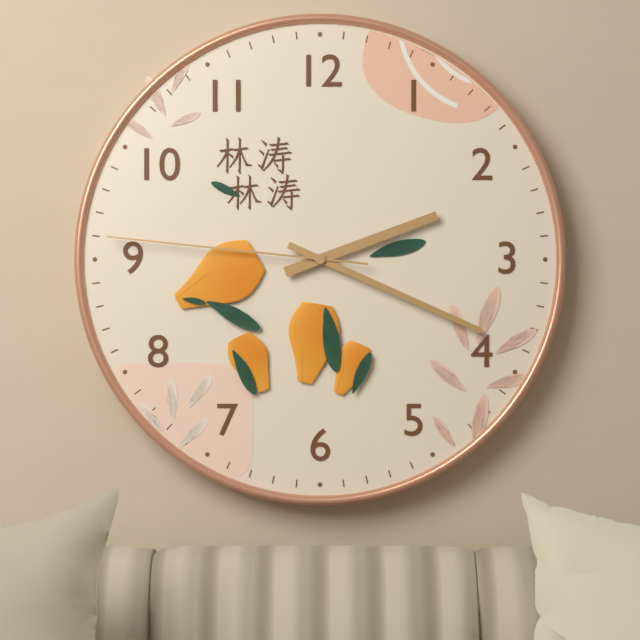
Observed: 2 h 19 min 46 s
